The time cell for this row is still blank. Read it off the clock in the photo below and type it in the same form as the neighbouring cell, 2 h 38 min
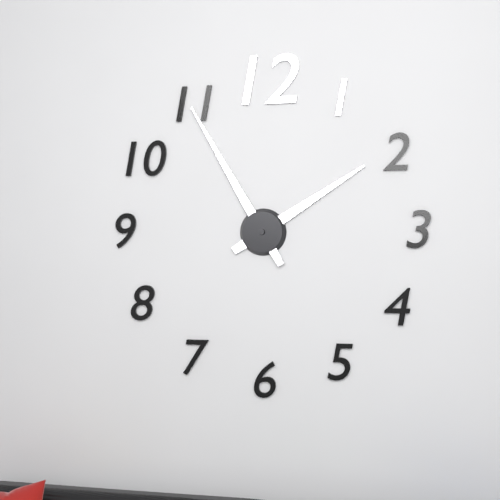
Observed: 1 h 55 min
